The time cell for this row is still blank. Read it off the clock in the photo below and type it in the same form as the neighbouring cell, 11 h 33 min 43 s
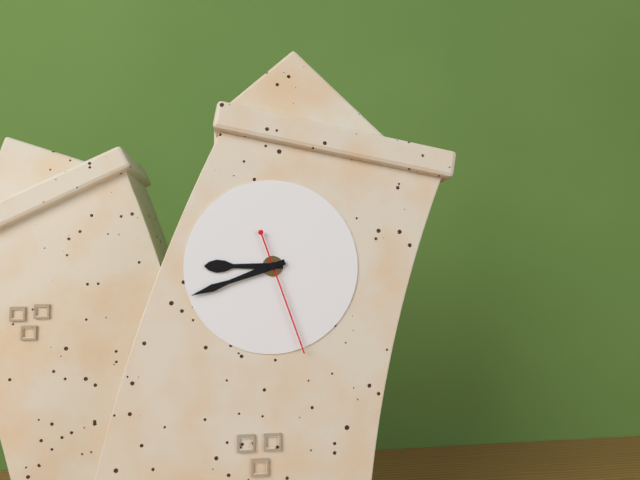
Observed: 8 h 40 min 25 s
